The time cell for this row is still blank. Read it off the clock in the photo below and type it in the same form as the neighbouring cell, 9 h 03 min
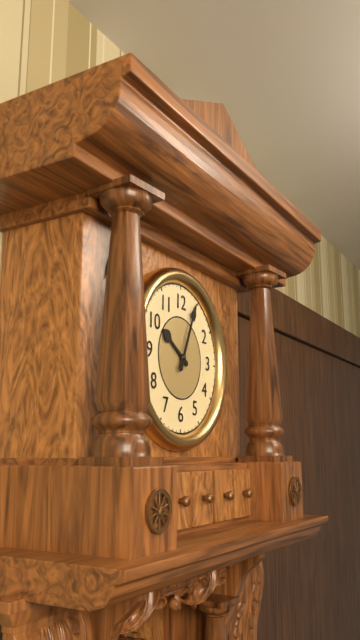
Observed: 10 h 04 min
